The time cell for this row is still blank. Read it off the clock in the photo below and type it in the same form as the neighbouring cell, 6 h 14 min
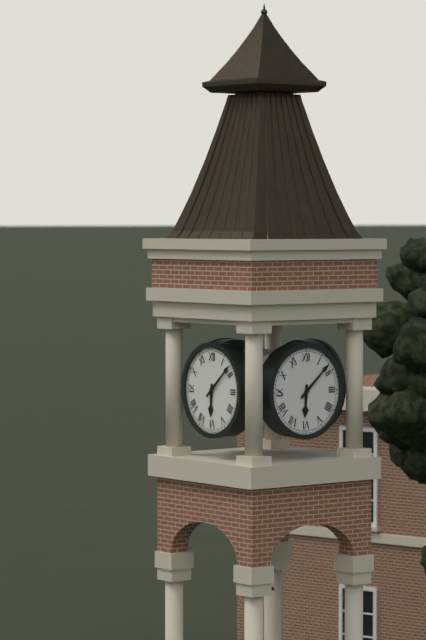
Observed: 6 h 08 min
